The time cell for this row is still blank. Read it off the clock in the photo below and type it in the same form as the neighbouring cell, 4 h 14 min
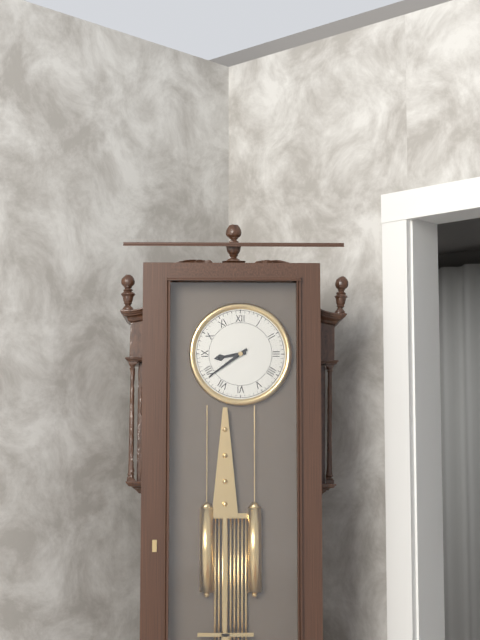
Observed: 8 h 39 min
